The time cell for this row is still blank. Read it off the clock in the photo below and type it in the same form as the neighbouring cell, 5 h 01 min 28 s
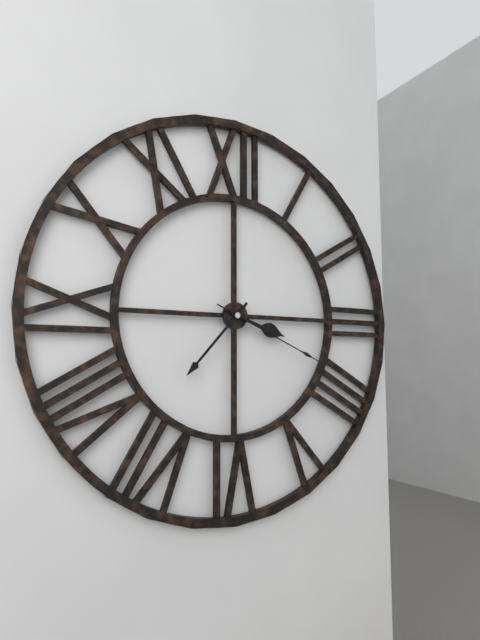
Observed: 3 h 37 min 19 s
